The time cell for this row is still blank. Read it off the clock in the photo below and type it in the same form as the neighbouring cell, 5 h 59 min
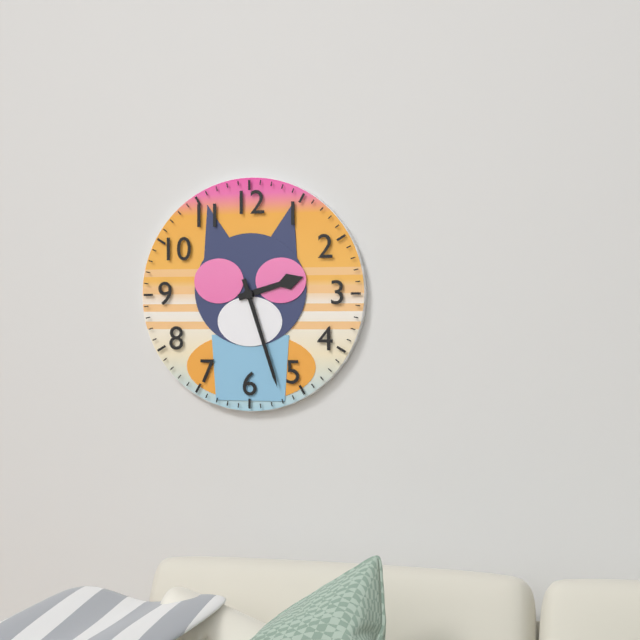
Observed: 2 h 27 min
